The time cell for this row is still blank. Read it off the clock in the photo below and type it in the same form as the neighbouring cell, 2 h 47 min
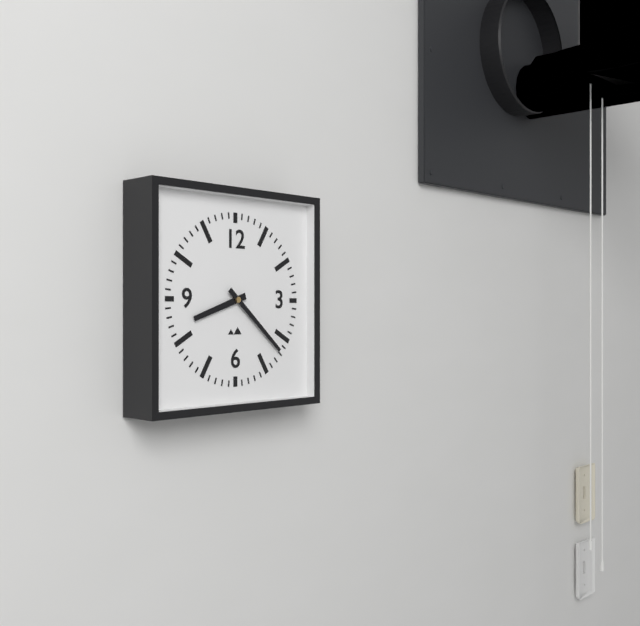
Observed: 8 h 22 min
